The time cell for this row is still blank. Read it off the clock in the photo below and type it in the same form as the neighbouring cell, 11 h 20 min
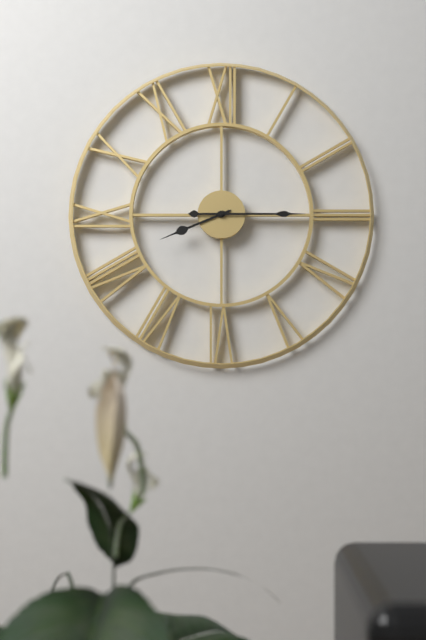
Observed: 8 h 15 min
